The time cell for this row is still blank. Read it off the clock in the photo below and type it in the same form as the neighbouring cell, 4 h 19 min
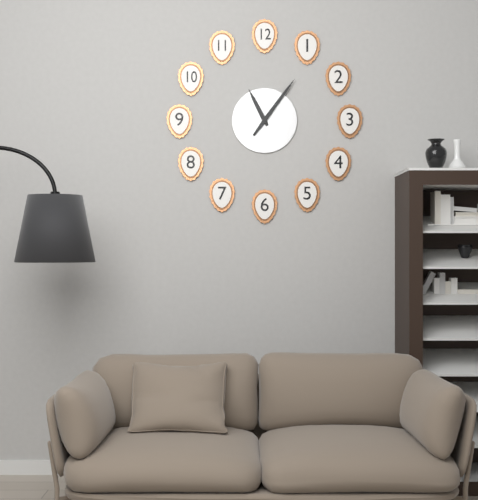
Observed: 11 h 06 min
